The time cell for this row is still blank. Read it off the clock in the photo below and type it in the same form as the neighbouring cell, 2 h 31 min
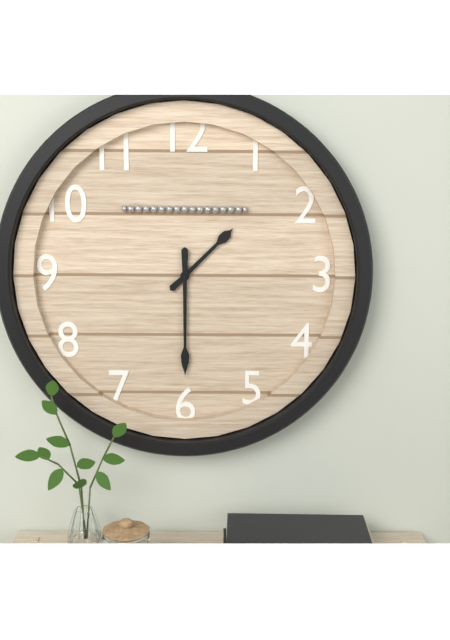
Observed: 1 h 30 min
